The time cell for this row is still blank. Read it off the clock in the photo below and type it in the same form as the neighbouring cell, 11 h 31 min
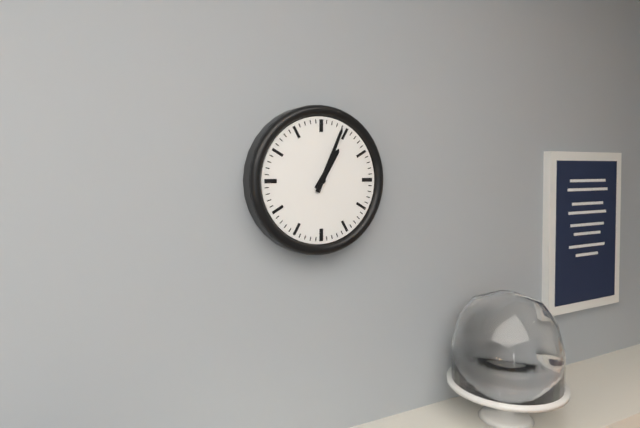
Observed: 1 h 04 min
